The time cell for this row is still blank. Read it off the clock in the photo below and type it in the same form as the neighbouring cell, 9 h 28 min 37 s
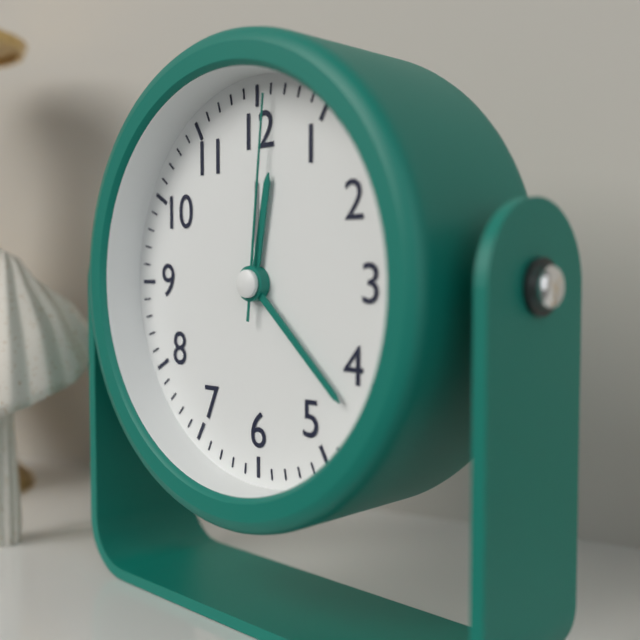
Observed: 12 h 22 min 01 s
